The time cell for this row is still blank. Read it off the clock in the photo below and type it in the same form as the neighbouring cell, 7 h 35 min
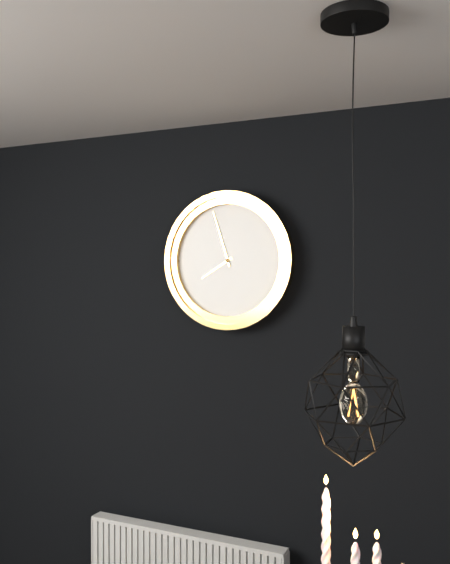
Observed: 7 h 57 min
